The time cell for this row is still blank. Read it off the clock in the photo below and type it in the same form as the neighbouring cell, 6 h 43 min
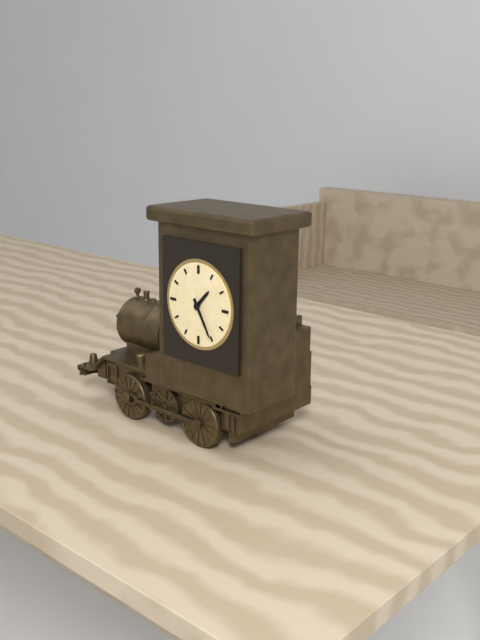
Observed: 1 h 25 min
